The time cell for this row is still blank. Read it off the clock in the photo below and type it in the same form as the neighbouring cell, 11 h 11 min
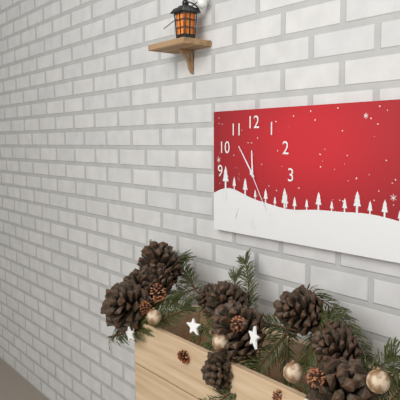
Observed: 11 h 54 min
